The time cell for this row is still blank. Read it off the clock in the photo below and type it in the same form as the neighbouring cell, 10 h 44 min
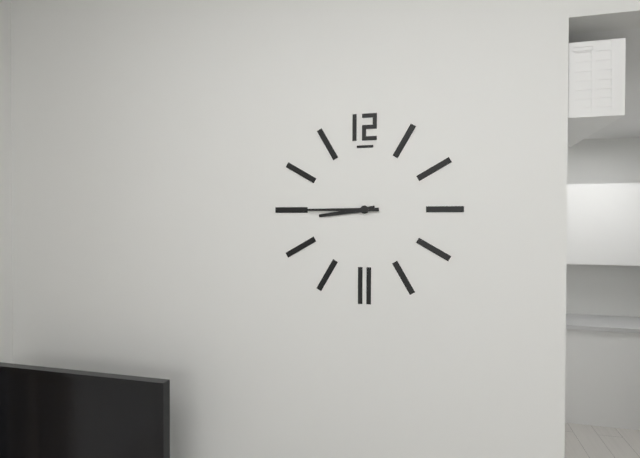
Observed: 8 h 45 min
